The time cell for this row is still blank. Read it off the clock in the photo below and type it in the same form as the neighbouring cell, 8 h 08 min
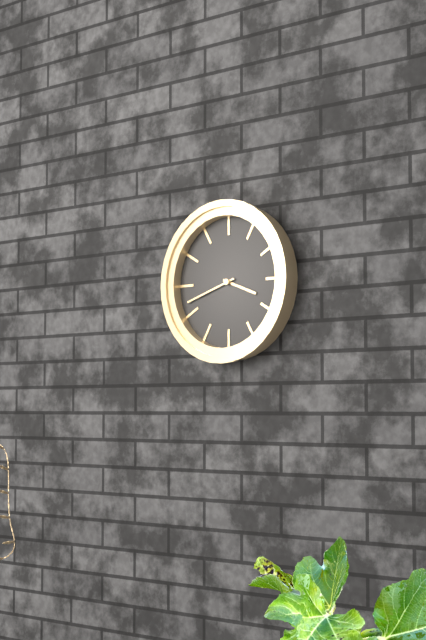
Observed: 3 h 42 min
